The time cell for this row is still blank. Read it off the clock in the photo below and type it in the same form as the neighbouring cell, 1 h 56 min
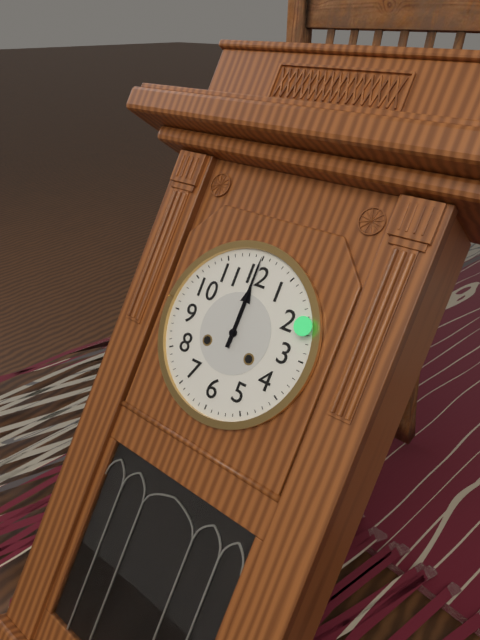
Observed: 12 h 00 min
